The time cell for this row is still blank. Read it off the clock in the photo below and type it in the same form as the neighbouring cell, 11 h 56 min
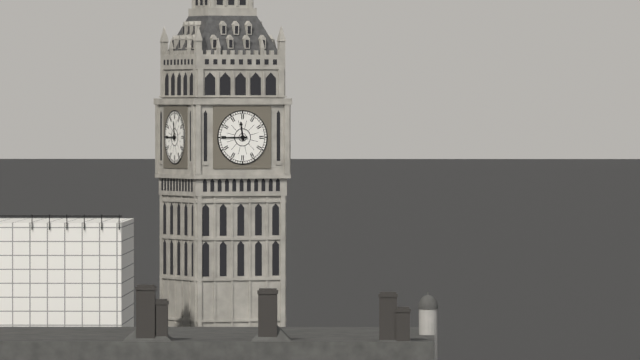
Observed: 11 h 45 min
